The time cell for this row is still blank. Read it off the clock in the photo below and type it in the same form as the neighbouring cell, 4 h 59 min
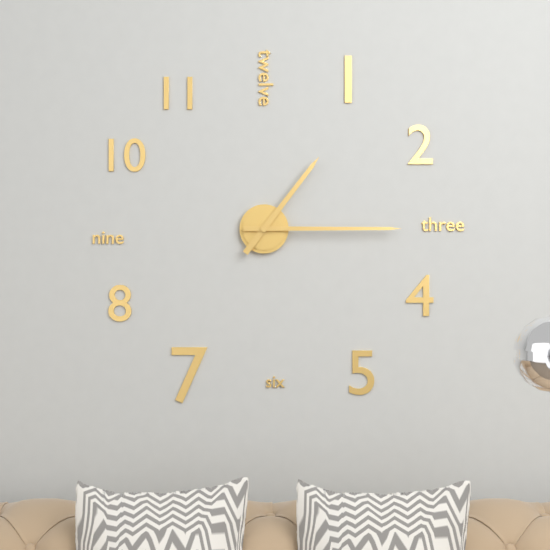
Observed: 1 h 15 min
